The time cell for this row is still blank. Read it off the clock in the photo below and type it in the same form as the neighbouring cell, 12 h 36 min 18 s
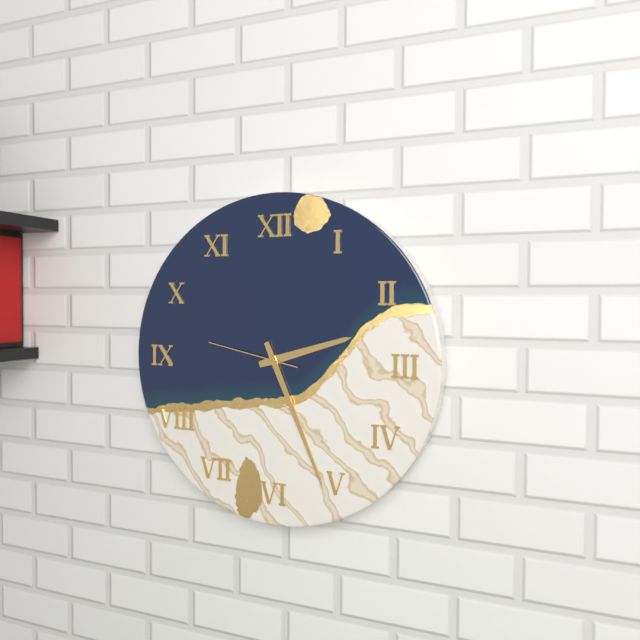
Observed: 2 h 26 min 47 s
